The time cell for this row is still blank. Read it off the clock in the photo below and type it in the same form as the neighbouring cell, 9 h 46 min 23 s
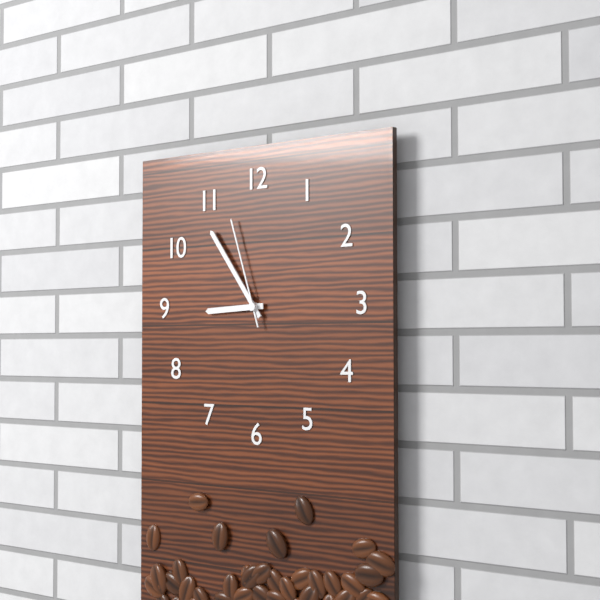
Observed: 8 h 54 min 57 s
